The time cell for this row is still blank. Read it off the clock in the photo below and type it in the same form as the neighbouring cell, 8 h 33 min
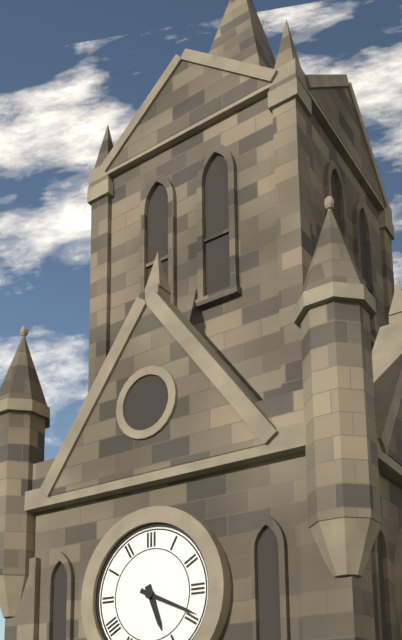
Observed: 5 h 19 min
